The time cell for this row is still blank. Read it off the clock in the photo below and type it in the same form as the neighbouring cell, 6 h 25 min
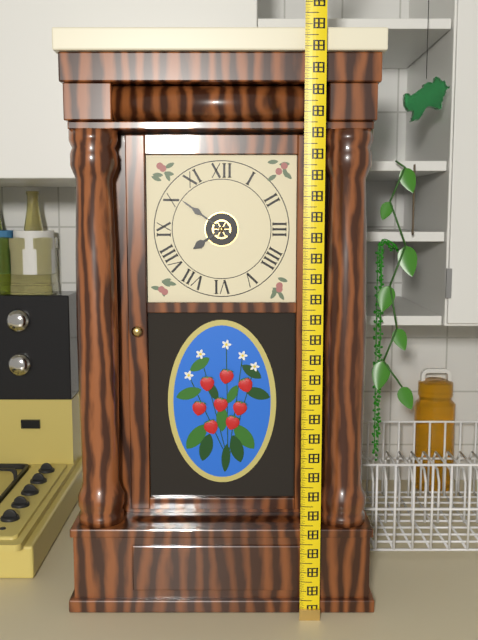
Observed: 7 h 51 min
